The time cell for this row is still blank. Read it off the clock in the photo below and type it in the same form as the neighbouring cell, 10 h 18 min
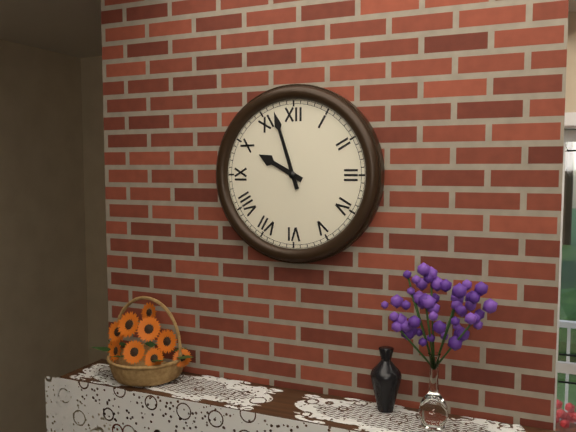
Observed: 9 h 57 min
